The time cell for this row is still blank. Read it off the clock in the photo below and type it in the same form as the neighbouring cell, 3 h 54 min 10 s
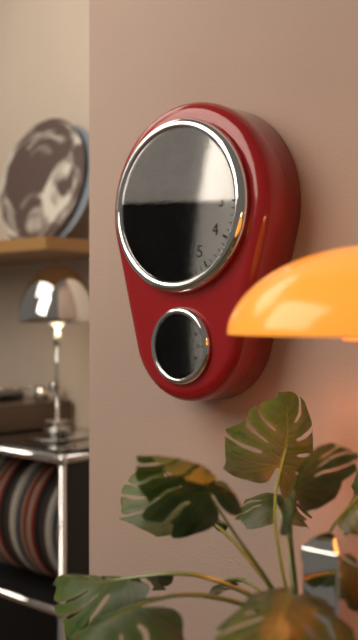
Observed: 1 h 33 min 35 s
